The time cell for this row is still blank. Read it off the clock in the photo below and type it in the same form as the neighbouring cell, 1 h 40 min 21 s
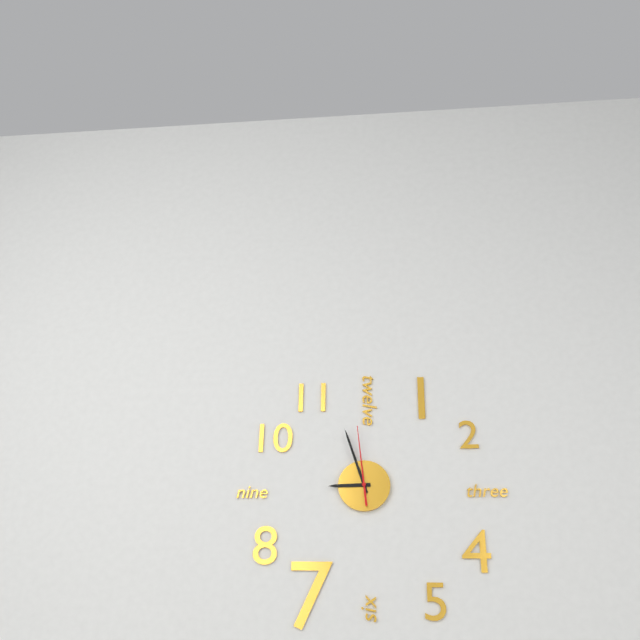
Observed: 8 h 57 min 59 s
